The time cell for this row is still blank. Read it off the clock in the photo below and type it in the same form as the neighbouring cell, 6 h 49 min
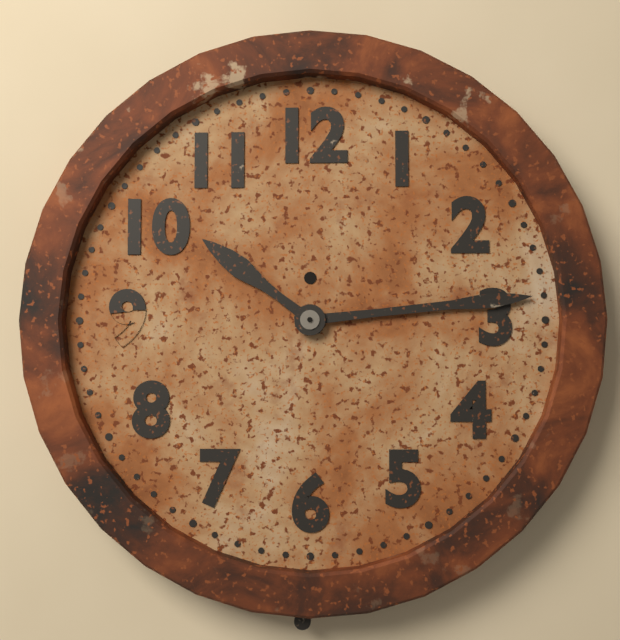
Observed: 10 h 14 min
